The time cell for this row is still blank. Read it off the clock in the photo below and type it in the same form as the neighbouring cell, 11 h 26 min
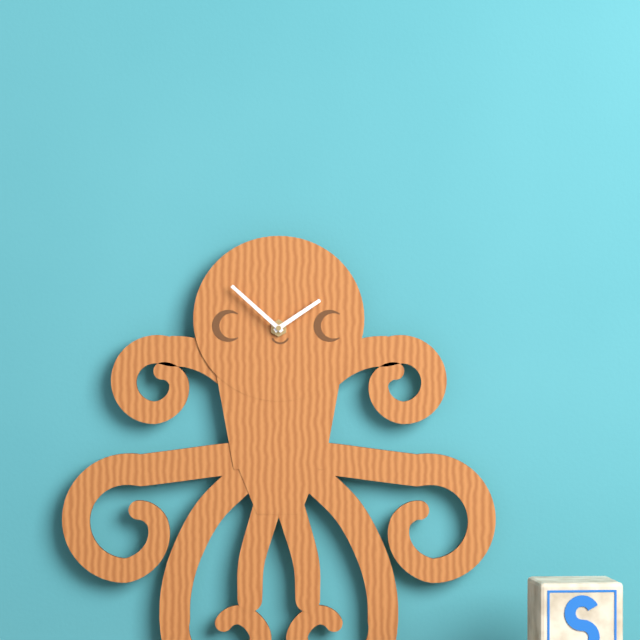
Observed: 1 h 52 min
